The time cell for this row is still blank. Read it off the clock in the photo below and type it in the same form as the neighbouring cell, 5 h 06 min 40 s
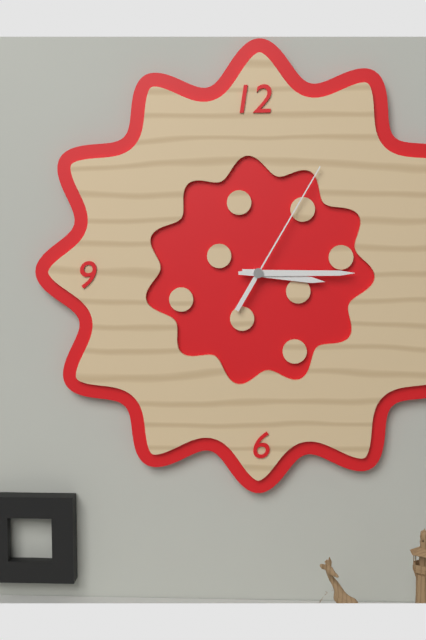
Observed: 3 h 15 min 05 s
